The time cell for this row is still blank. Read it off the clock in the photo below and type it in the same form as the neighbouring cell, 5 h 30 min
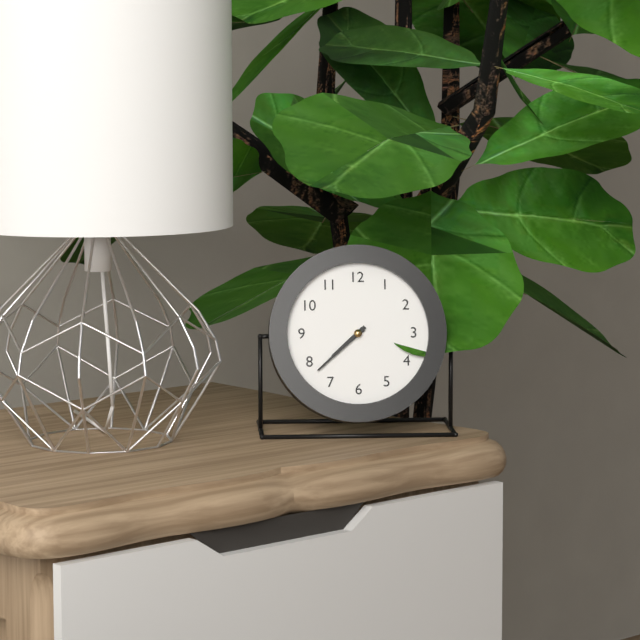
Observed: 7 h 38 min
